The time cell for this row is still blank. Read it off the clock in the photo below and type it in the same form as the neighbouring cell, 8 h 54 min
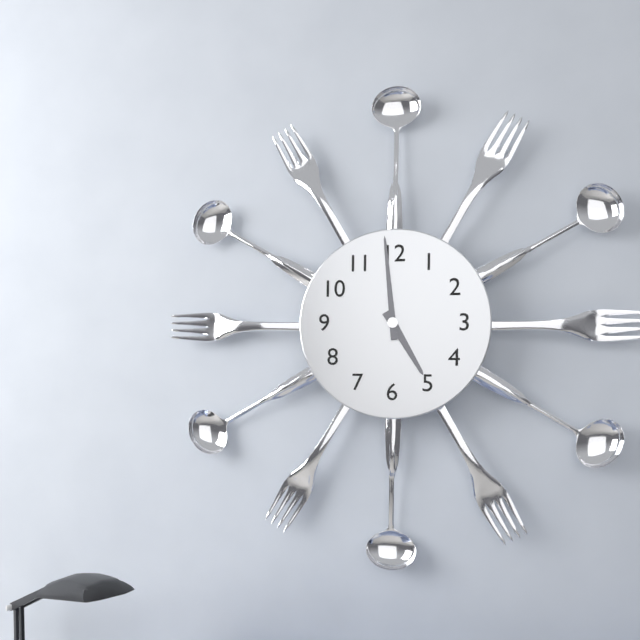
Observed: 4 h 59 min
